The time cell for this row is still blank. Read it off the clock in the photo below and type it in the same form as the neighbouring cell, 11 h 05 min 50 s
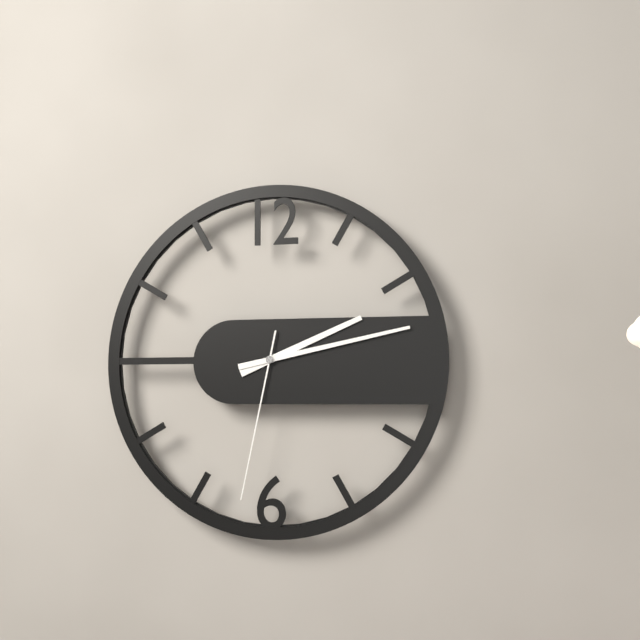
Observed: 2 h 13 min 32 s
